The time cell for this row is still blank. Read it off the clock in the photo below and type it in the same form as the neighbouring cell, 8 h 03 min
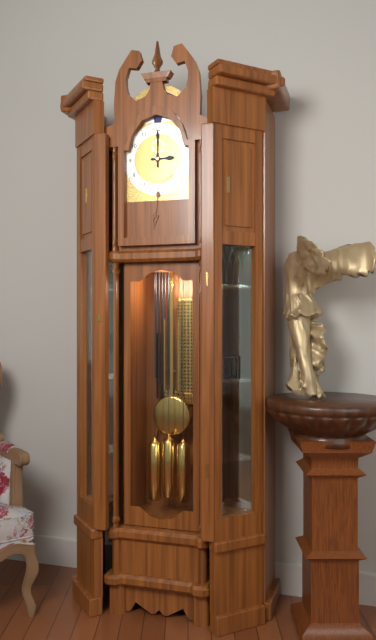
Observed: 3 h 00 min
